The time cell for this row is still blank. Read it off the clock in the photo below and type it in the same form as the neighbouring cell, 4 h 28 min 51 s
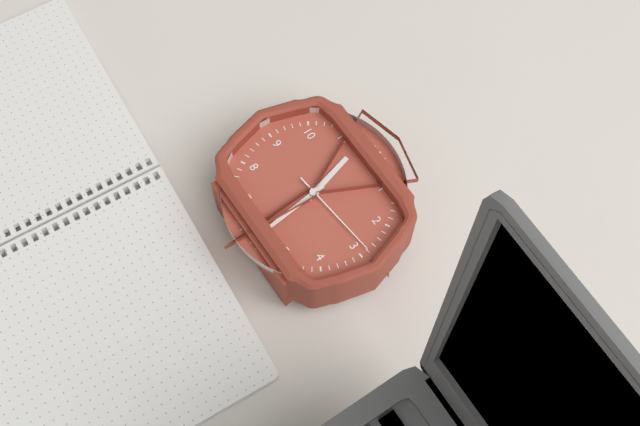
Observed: 11 h 29 min 14 s
